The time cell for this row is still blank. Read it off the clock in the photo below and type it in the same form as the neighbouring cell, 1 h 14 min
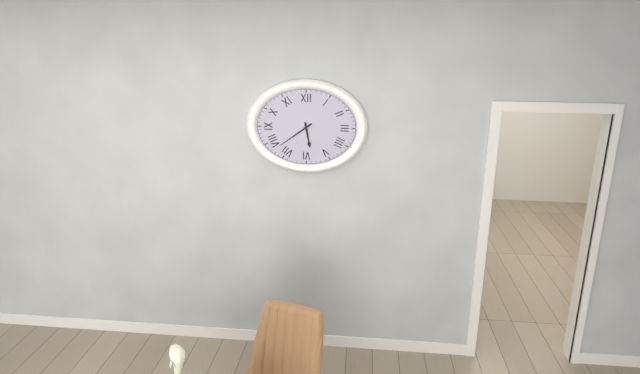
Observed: 5 h 39 min
